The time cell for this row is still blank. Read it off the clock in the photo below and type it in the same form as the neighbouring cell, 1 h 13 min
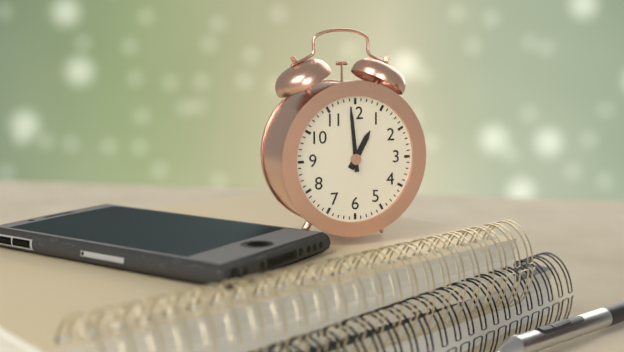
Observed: 12 h 59 min
